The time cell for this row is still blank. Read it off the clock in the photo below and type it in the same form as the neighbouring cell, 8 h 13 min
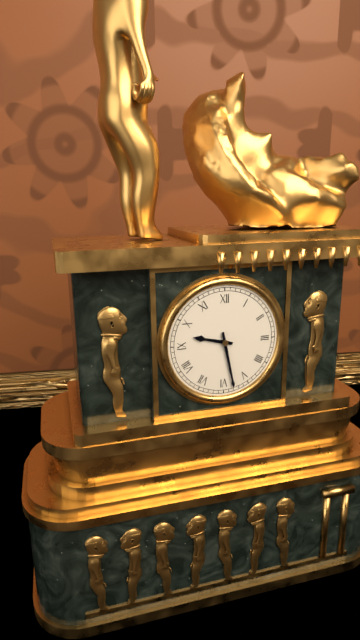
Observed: 9 h 28 min
